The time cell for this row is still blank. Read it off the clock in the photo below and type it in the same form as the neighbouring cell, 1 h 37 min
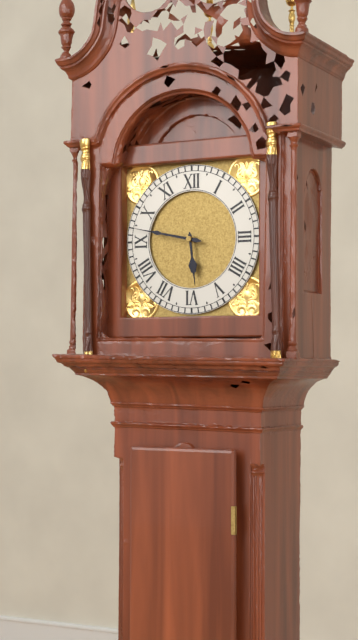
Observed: 5 h 47 min
